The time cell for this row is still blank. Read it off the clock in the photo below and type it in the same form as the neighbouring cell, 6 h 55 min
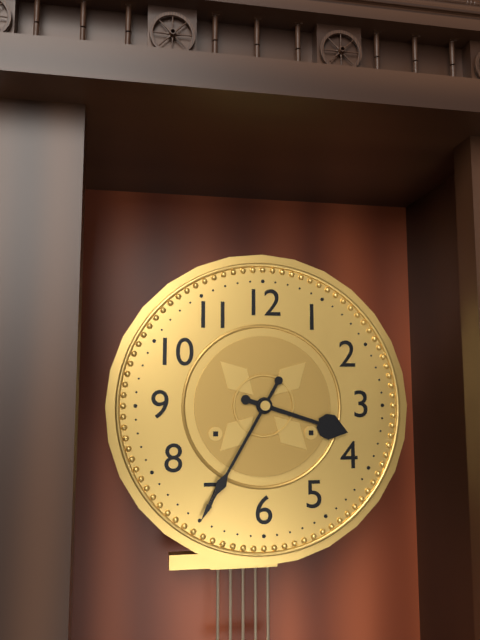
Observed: 3 h 35 min
